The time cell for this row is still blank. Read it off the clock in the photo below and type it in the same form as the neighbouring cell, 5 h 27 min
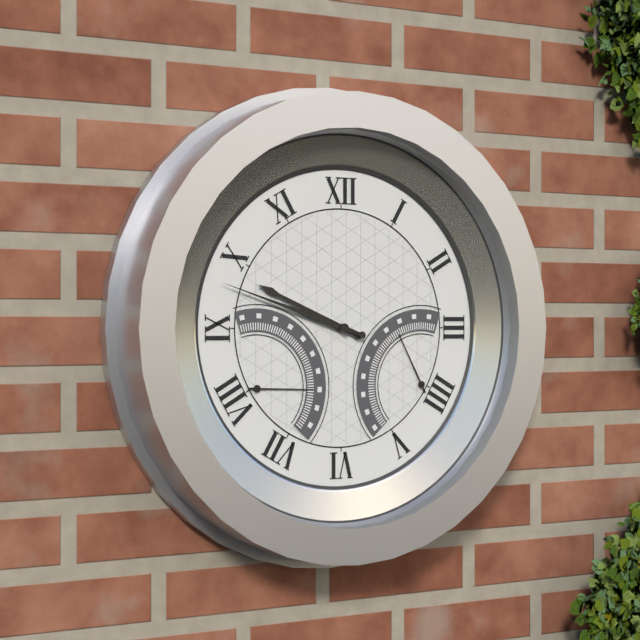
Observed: 9 h 48 min
